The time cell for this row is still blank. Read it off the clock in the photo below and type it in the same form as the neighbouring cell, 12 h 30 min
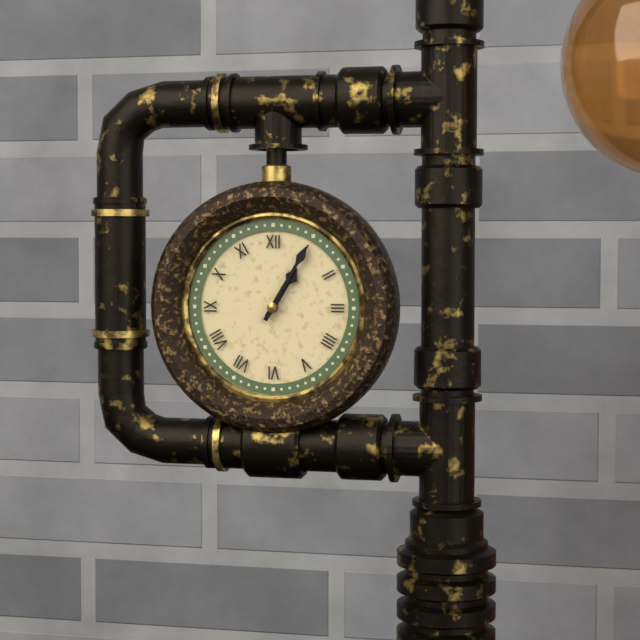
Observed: 1 h 05 min
